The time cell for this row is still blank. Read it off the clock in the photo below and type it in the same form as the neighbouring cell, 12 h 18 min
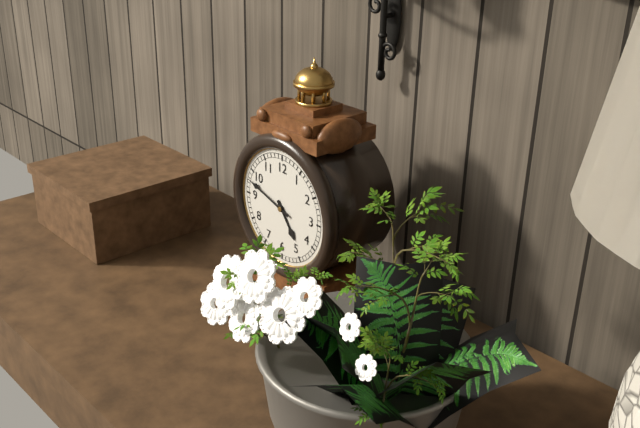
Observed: 4 h 48 min
